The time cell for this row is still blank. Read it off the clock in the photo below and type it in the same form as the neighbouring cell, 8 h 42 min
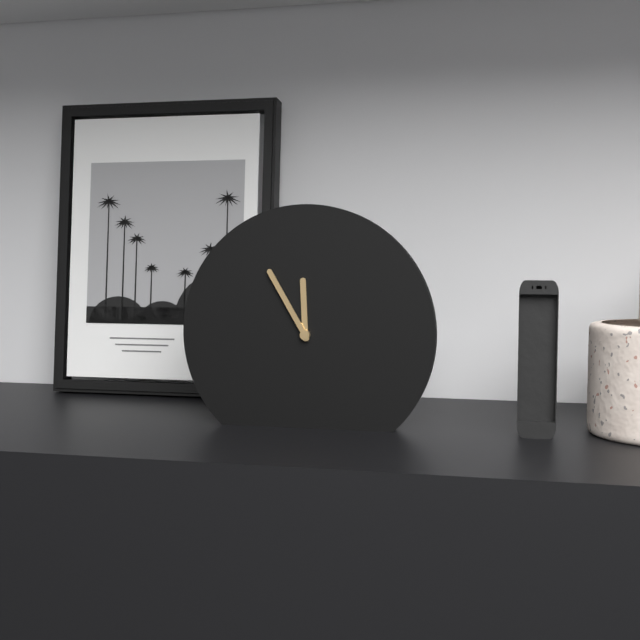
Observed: 11 h 55 min
